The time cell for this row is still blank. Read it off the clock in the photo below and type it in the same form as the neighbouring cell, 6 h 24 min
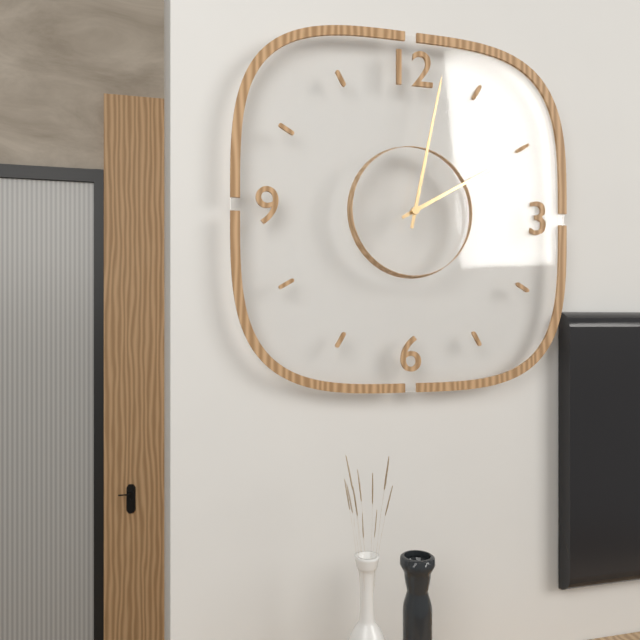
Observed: 2 h 02 min
